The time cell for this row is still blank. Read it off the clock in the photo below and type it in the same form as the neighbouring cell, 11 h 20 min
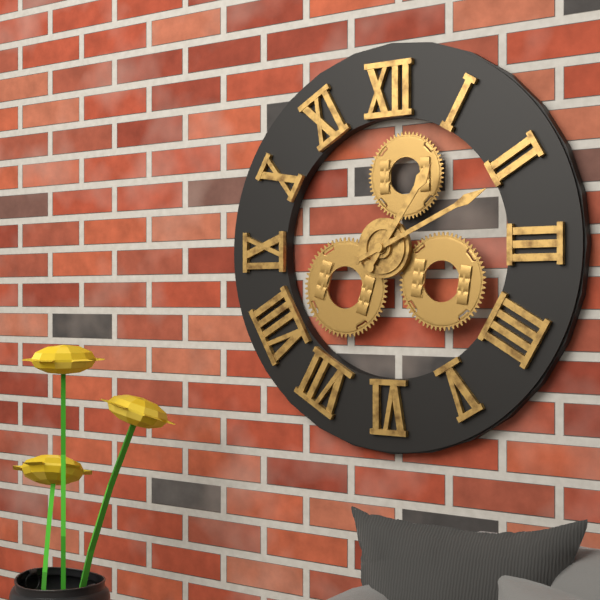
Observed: 1 h 11 min
